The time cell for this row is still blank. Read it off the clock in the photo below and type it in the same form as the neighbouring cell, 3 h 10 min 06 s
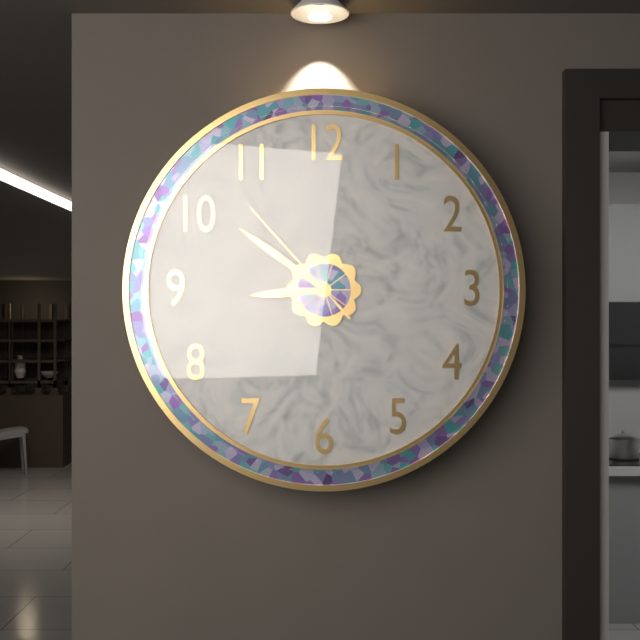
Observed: 8 h 51 min 53 s
